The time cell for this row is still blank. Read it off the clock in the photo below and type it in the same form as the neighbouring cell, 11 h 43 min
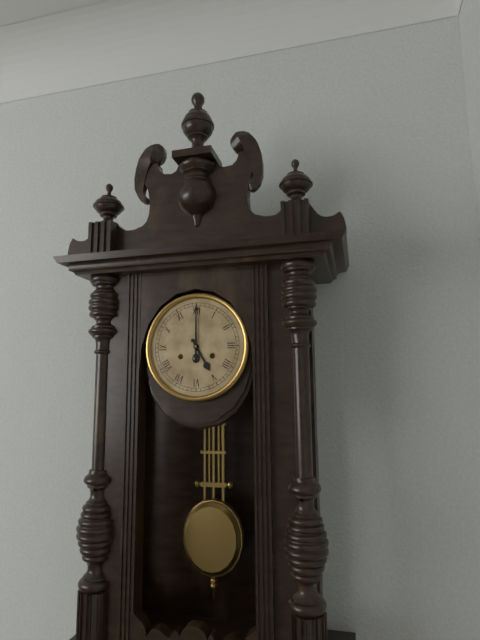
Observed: 5 h 00 min
